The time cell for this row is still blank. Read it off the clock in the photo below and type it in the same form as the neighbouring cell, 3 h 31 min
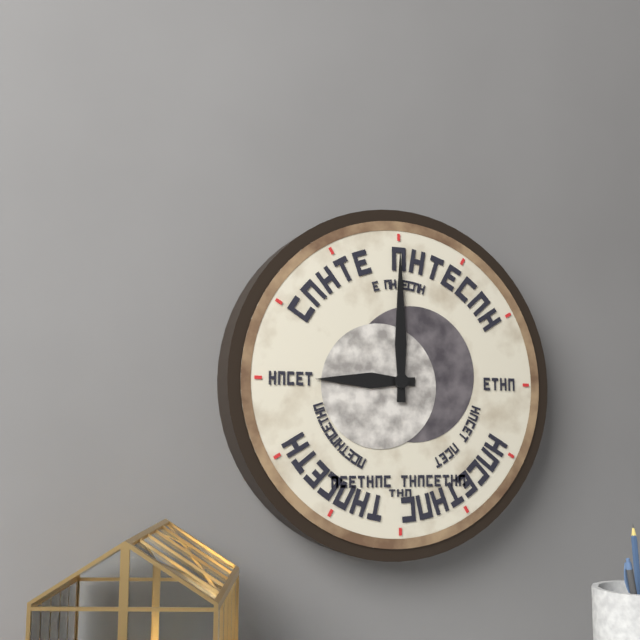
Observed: 9 h 00 min
